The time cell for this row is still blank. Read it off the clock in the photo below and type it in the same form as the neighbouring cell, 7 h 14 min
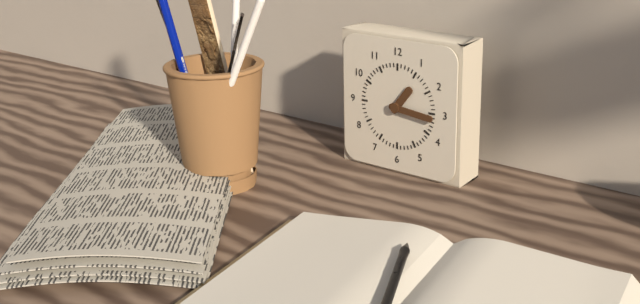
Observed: 1 h 16 min
